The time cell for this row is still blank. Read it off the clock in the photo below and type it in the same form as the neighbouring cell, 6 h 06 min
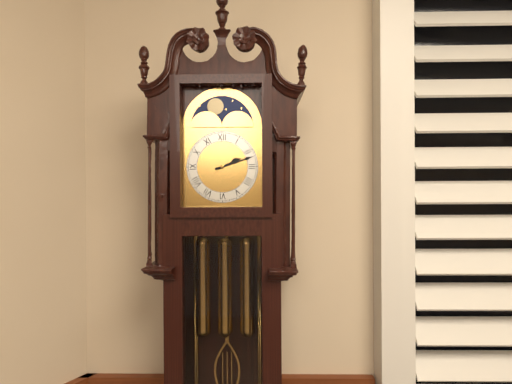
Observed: 2 h 12 min
